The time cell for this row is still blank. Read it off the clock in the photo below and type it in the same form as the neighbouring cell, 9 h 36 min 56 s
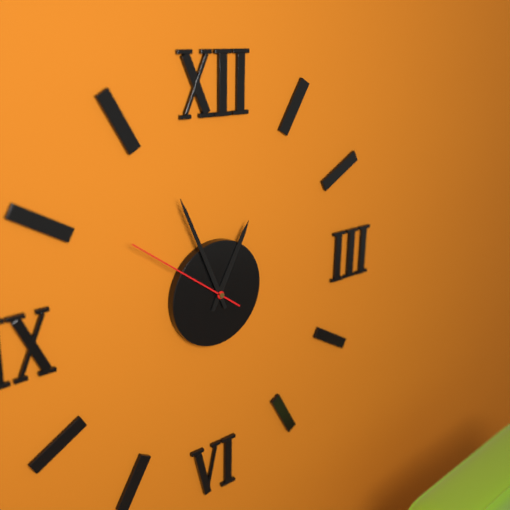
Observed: 12 h 56 min 51 s
